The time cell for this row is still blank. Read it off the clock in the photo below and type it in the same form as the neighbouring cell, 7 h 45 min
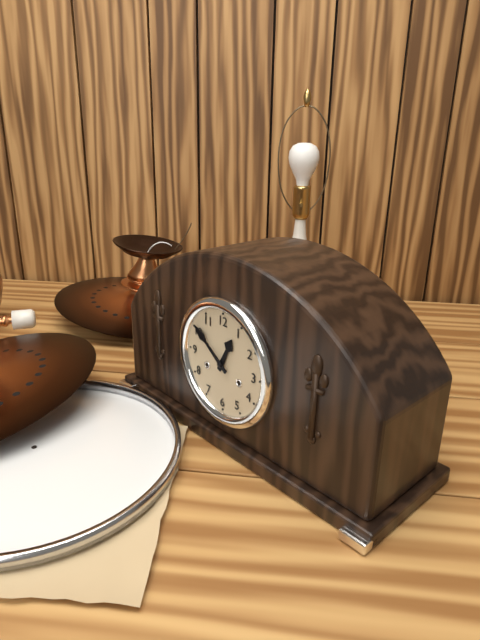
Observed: 12 h 51 min
